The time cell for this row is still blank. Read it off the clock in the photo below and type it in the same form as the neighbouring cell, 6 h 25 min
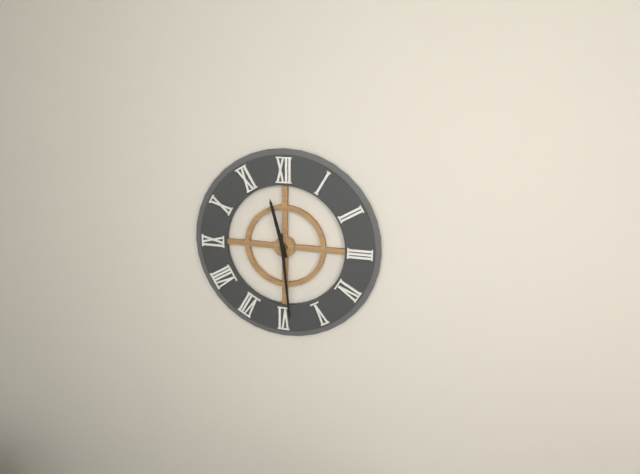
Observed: 11 h 29 min
